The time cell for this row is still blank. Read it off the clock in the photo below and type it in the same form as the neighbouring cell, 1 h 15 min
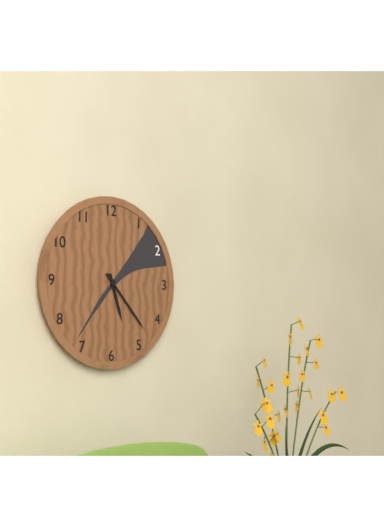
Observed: 5 h 23 min
